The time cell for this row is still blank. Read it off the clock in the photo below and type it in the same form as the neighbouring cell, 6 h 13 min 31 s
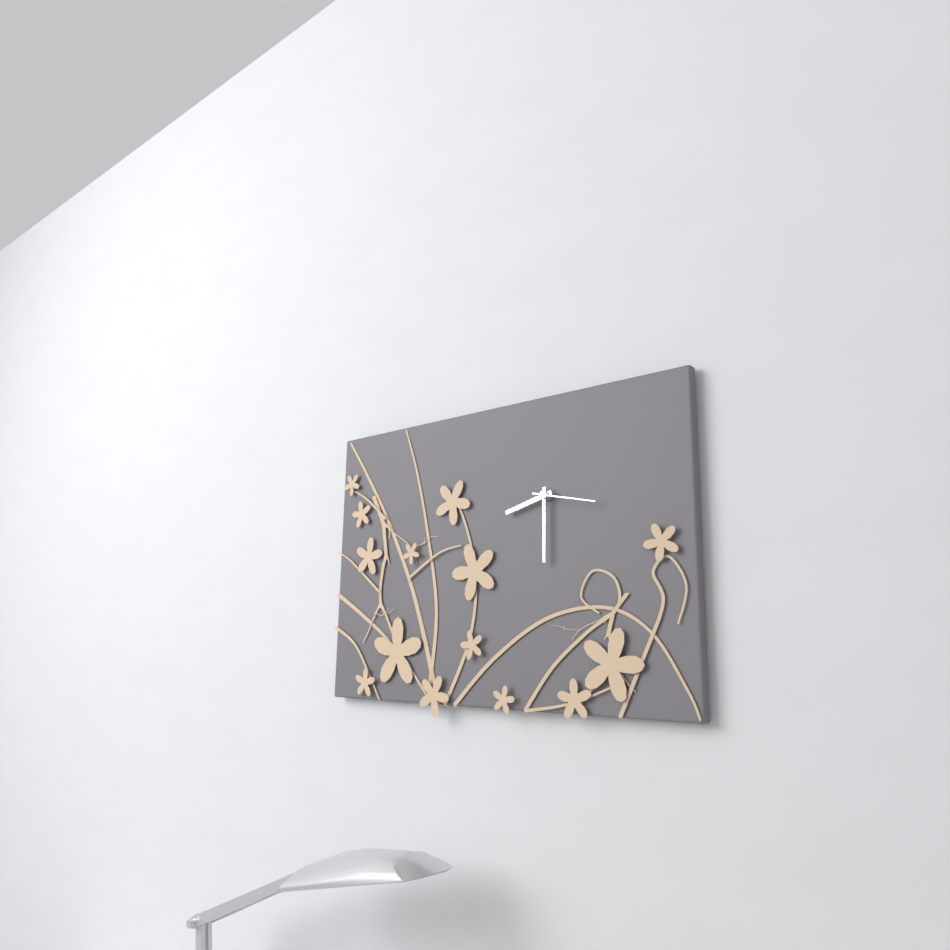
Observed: 8 h 30 min 17 s
